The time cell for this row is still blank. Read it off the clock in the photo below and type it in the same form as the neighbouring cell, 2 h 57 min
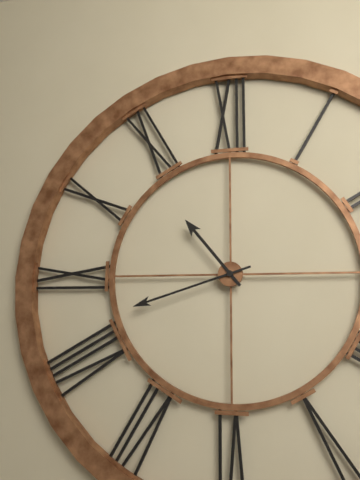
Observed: 10 h 42 min
